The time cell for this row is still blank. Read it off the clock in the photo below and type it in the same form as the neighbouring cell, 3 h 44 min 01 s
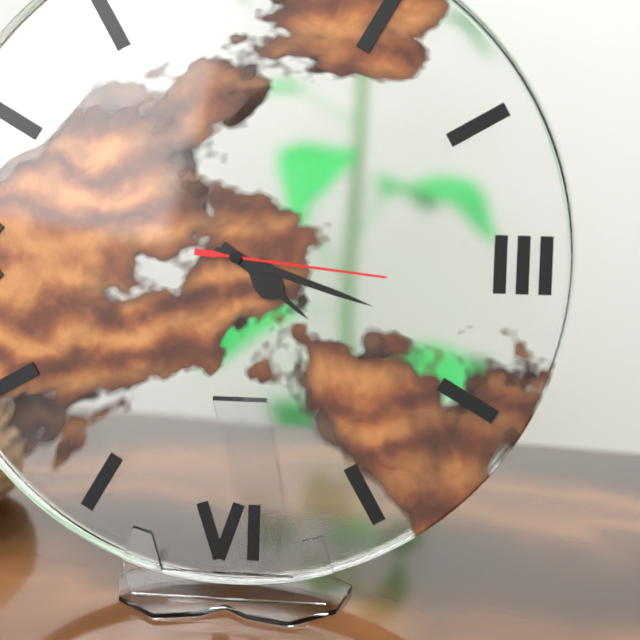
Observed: 4 h 18 min 16 s
